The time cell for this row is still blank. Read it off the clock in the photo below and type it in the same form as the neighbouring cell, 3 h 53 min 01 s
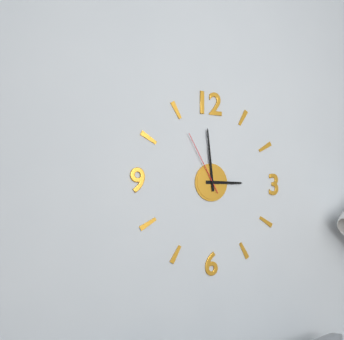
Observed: 2 h 59 min 55 s
